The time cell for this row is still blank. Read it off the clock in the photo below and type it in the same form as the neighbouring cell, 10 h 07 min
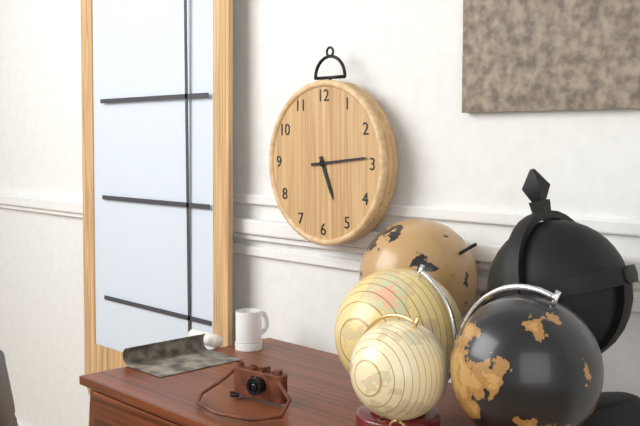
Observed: 5 h 14 min
